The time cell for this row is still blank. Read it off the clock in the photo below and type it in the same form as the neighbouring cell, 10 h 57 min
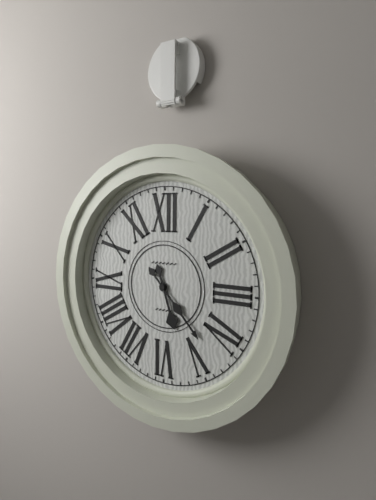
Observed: 5 h 23 min
